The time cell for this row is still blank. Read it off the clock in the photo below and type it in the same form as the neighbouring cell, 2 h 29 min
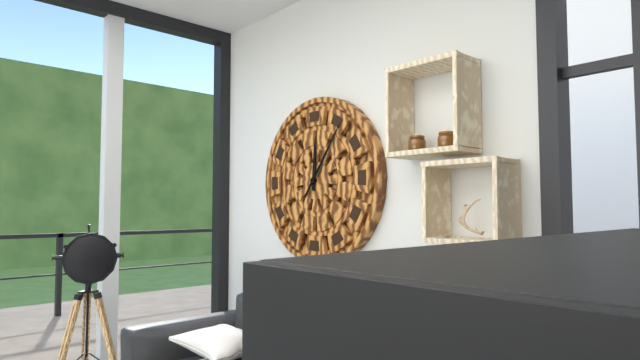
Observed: 12 h 06 min
